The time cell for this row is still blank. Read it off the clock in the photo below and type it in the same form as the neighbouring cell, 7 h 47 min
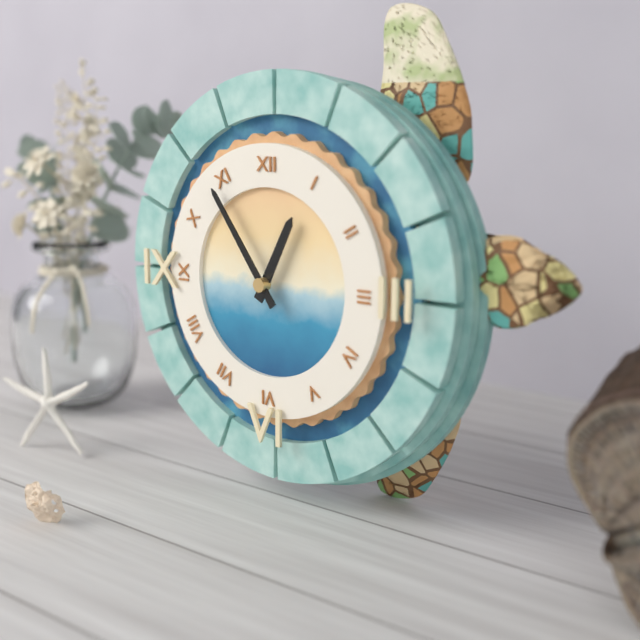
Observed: 12 h 54 min
